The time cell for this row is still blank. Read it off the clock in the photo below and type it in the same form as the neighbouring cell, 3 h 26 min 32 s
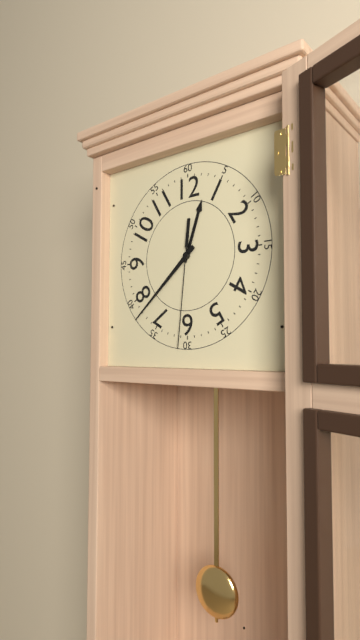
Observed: 12 h 38 min 31 s
